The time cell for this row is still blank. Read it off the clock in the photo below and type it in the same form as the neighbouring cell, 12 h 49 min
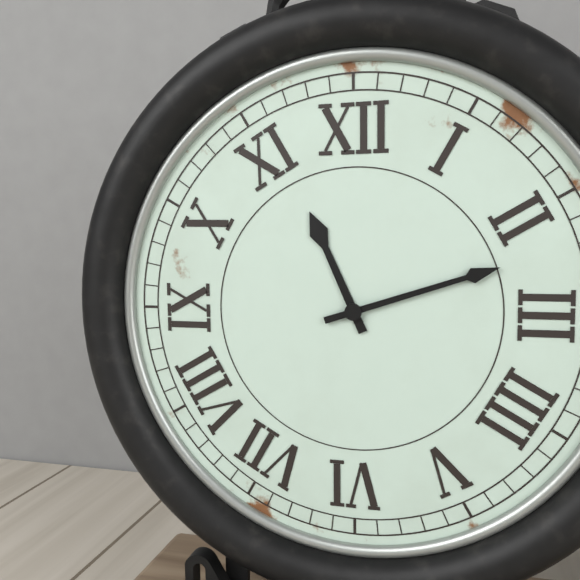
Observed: 11 h 12 min
